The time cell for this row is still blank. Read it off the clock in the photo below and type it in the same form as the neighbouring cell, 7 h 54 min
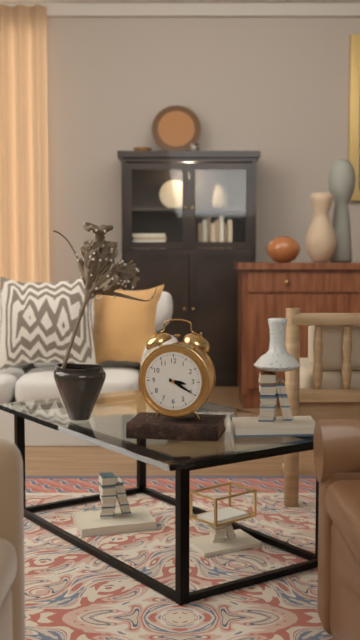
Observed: 3 h 20 min
